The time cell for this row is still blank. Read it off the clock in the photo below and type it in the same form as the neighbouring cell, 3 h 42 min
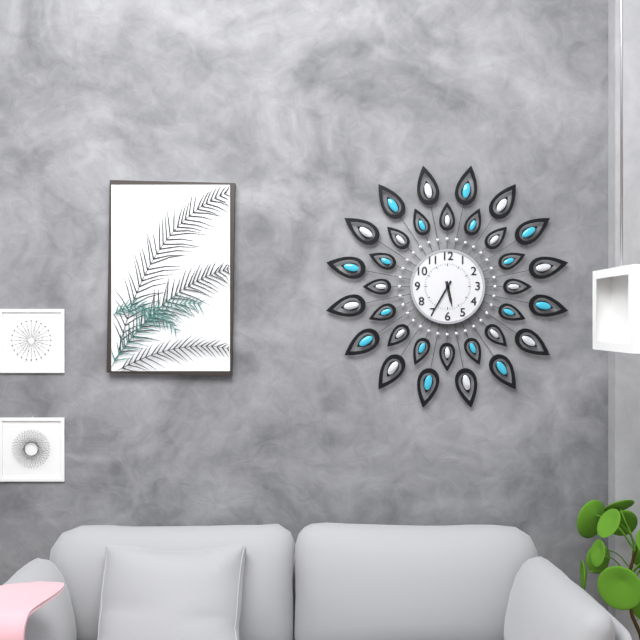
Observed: 5 h 35 min
